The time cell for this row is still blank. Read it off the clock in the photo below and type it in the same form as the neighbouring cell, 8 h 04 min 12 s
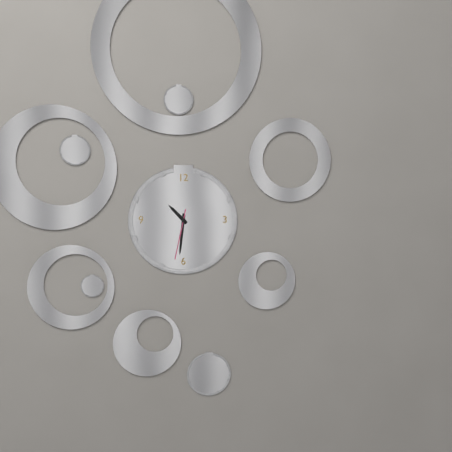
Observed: 10 h 31 min 32 s
